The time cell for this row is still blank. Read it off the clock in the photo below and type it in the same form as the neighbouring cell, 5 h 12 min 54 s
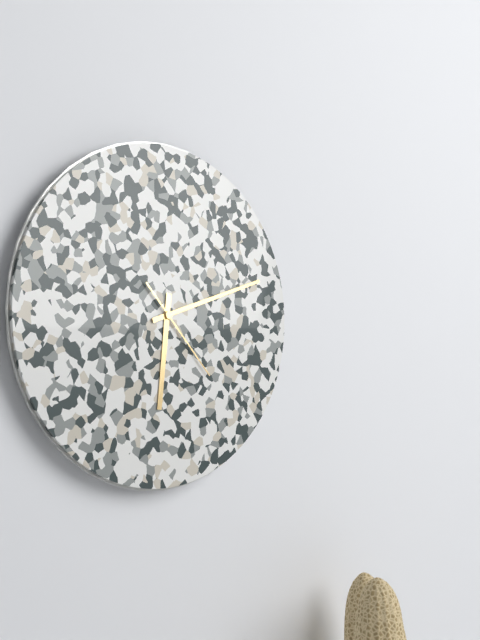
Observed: 6 h 12 min 23 s
